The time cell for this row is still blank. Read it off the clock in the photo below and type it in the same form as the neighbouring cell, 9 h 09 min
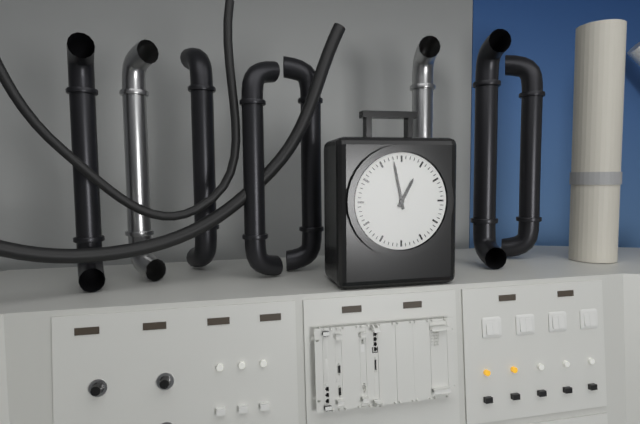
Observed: 12 h 58 min
